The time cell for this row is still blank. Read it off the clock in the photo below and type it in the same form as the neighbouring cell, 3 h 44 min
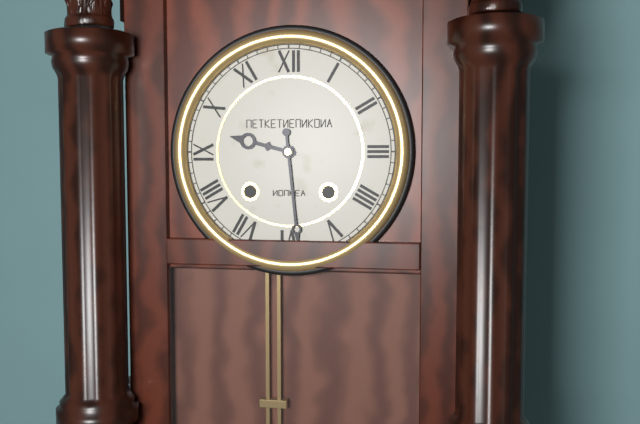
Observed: 9 h 29 min
